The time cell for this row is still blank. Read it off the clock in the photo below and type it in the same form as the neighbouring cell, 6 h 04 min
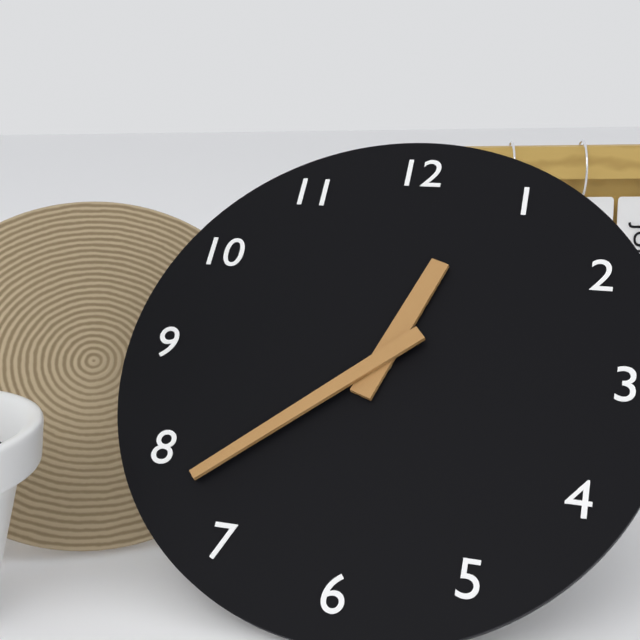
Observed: 12 h 38 min
